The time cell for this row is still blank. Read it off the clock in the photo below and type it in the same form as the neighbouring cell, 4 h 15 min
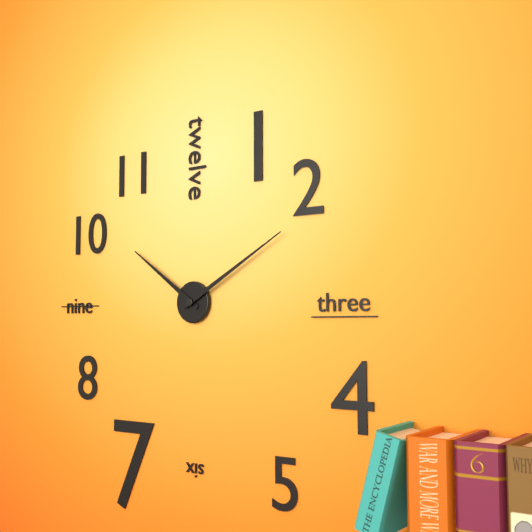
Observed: 10 h 10 min
